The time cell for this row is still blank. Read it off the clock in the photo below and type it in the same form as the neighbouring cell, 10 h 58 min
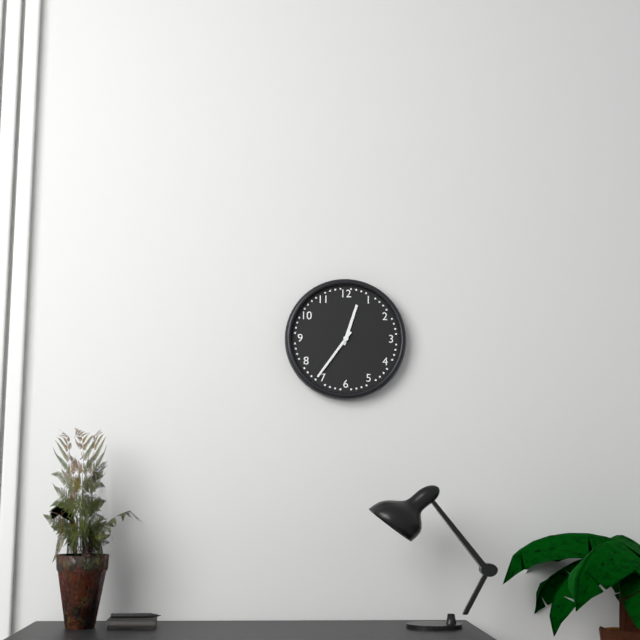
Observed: 12 h 36 min
